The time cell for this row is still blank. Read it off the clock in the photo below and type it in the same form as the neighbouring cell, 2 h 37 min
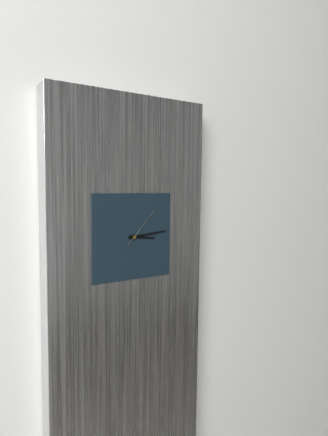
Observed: 3 h 14 min
